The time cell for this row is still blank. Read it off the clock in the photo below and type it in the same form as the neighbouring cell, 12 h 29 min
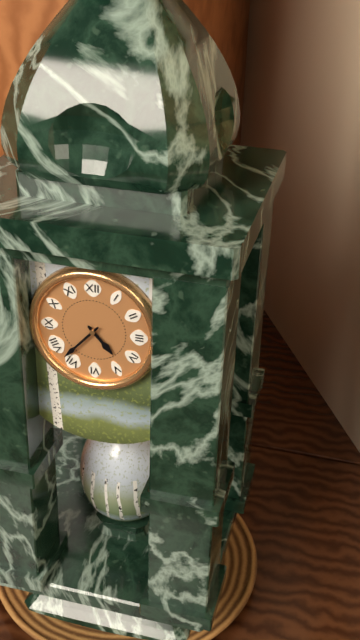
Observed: 4 h 37 min
